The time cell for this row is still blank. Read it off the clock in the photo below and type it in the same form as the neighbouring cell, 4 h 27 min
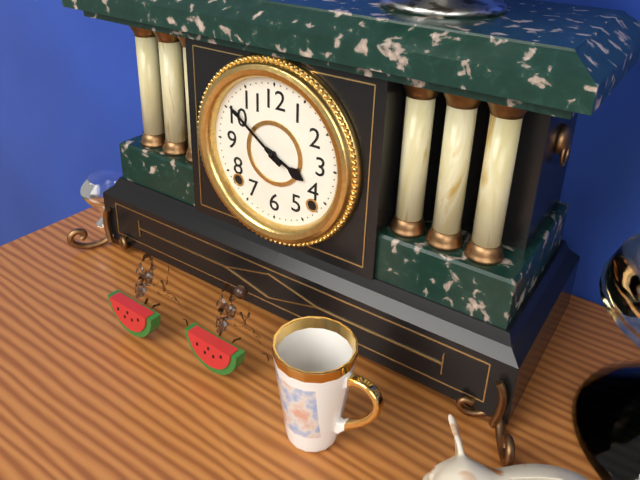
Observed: 3 h 51 min
